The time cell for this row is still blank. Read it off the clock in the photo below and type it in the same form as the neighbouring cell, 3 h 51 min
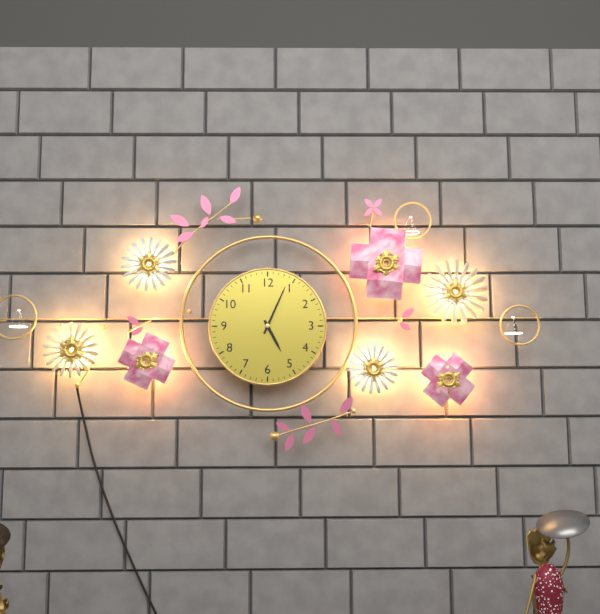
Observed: 5 h 04 min
